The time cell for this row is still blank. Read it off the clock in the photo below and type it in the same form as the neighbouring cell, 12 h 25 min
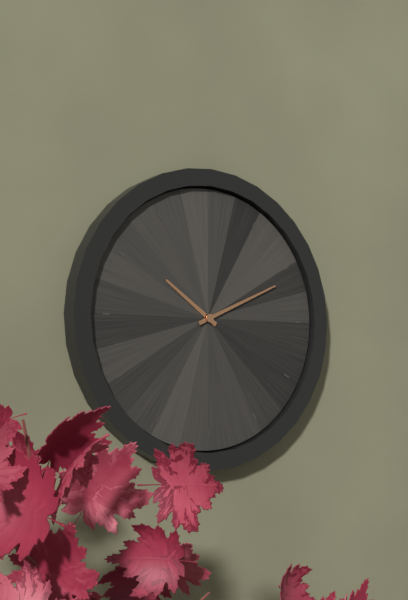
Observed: 10 h 11 min
